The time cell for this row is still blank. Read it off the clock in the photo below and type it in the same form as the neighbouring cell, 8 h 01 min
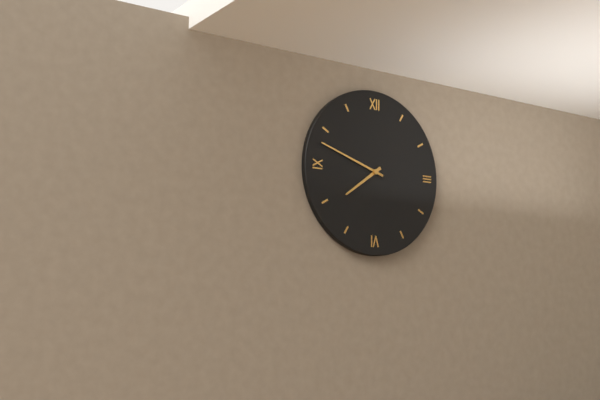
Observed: 7 h 48 min
